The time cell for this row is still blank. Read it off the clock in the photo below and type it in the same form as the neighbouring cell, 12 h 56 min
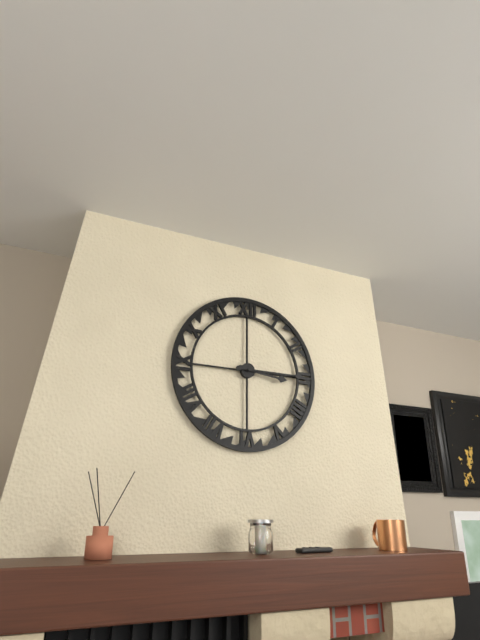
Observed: 3 h 15 min
